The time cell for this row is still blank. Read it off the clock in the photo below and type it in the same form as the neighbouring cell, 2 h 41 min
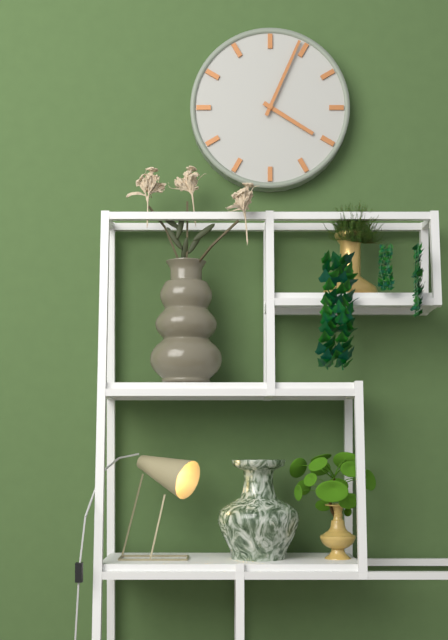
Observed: 4 h 04 min
